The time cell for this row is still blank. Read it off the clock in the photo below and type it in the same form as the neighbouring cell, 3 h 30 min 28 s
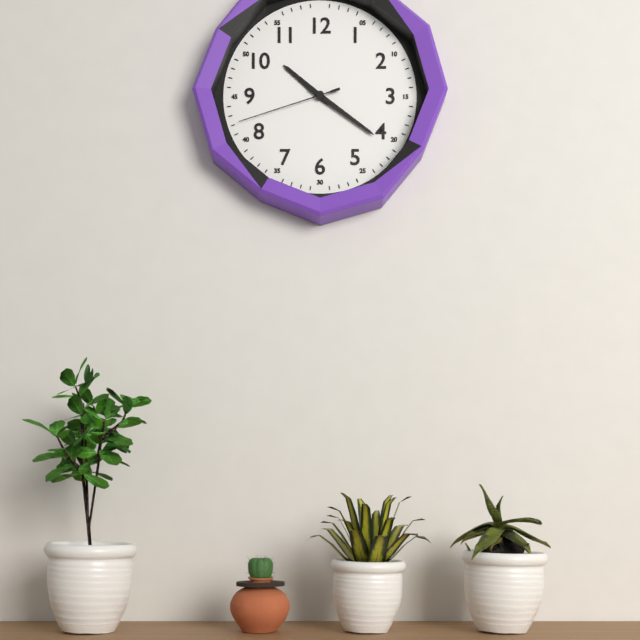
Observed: 10 h 21 min 42 s
